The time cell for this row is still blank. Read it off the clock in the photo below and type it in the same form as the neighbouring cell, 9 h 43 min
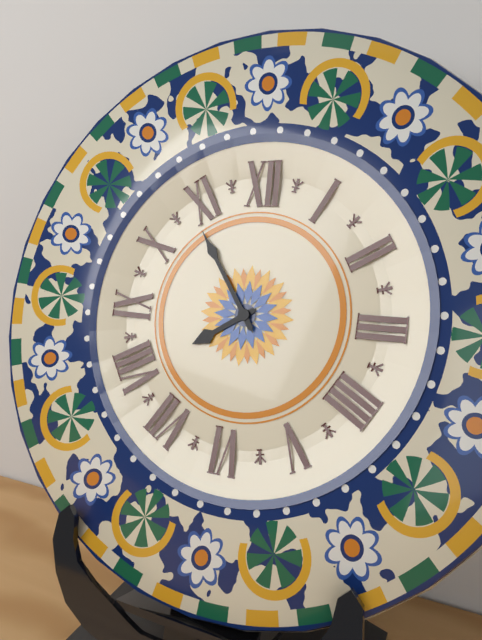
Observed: 7 h 54 min
